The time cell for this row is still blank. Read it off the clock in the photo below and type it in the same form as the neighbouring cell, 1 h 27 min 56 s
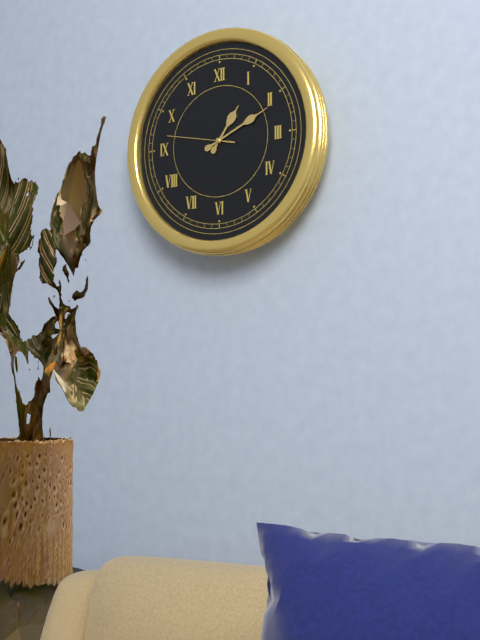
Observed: 1 h 11 min 47 s
